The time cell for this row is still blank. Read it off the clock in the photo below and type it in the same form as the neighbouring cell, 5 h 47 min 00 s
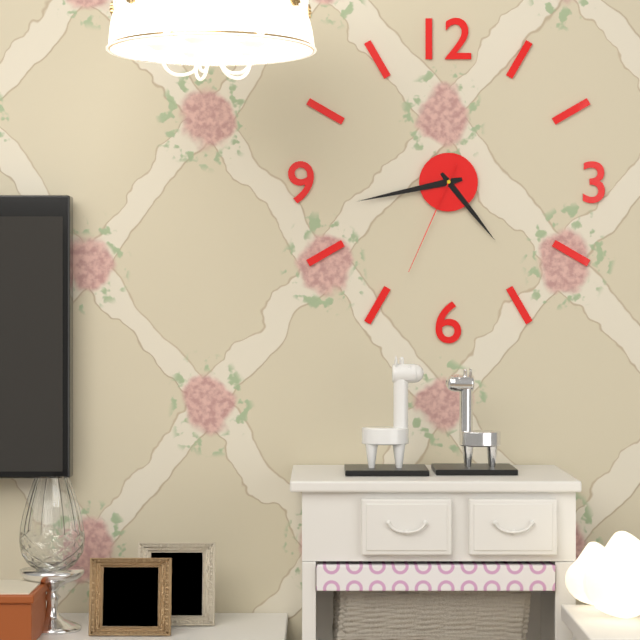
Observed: 4 h 43 min 34 s
